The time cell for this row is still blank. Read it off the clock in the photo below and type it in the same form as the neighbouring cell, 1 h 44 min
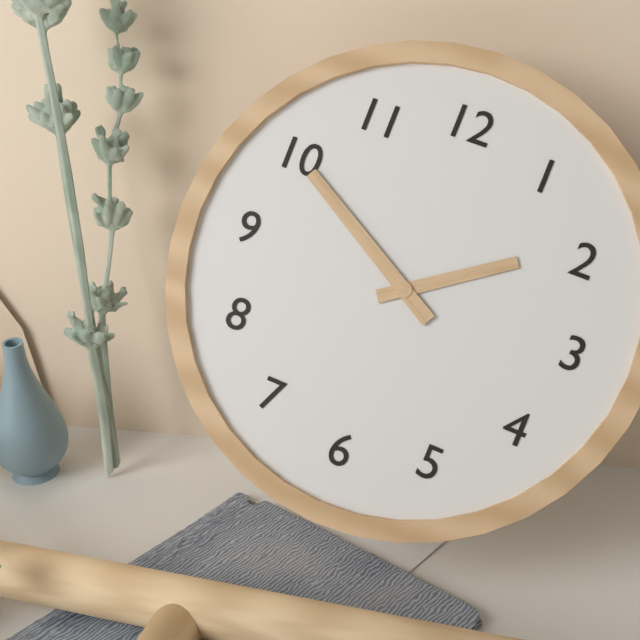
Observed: 1 h 50 min
